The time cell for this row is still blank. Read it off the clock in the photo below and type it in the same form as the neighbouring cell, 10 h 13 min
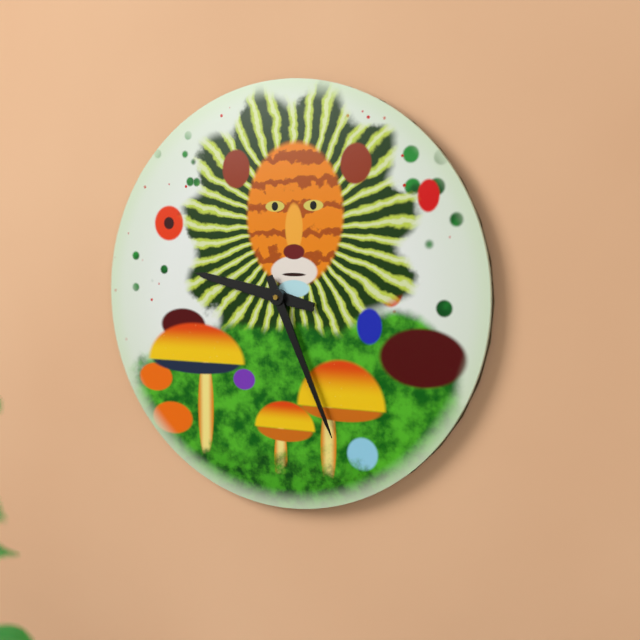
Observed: 9 h 26 min
